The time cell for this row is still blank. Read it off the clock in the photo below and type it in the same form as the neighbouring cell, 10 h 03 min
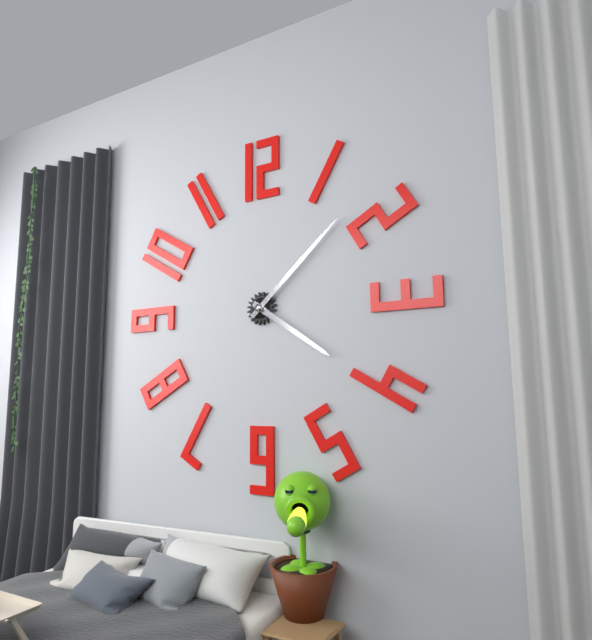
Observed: 4 h 08 min
